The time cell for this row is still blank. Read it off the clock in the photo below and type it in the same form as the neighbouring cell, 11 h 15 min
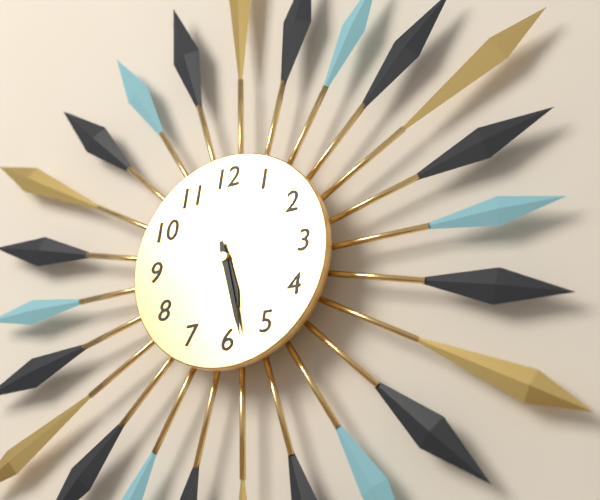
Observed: 5 h 28 min
